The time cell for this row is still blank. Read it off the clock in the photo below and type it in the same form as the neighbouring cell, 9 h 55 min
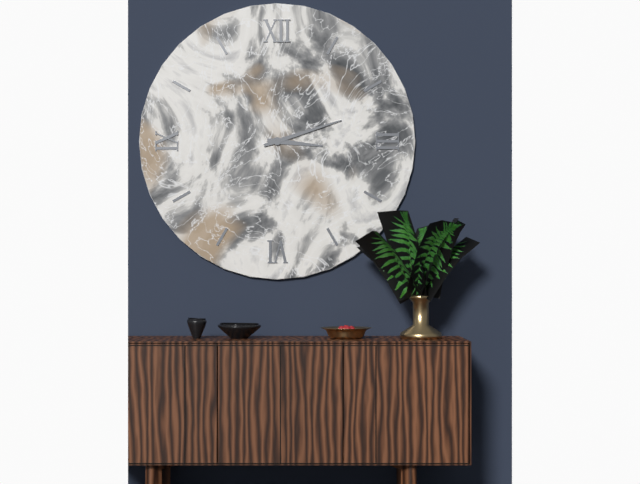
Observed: 3 h 12 min
